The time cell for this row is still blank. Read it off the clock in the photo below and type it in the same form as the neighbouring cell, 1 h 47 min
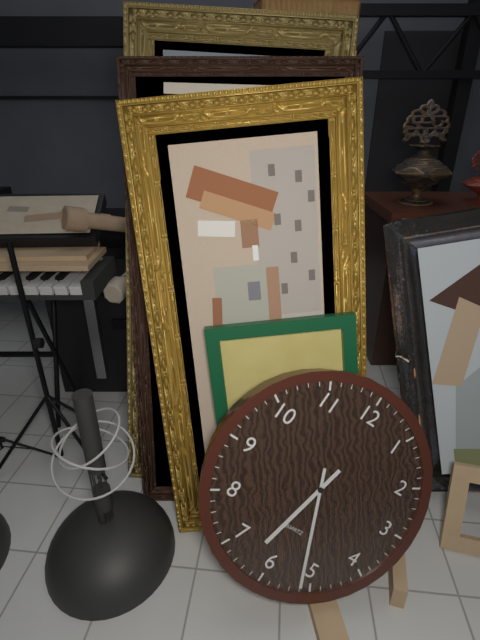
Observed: 6 h 26 min
